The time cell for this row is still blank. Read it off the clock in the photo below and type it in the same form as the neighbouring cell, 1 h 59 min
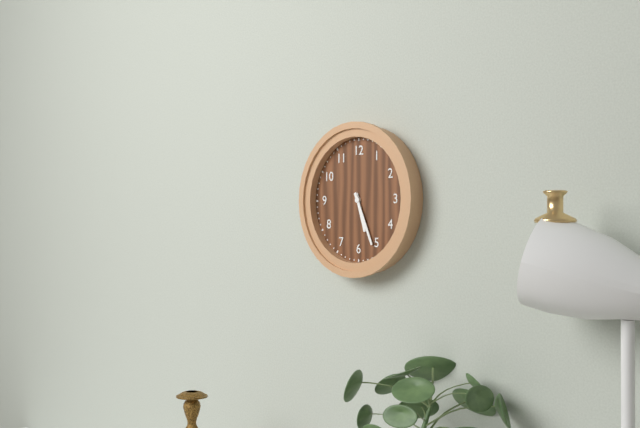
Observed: 5 h 26 min
